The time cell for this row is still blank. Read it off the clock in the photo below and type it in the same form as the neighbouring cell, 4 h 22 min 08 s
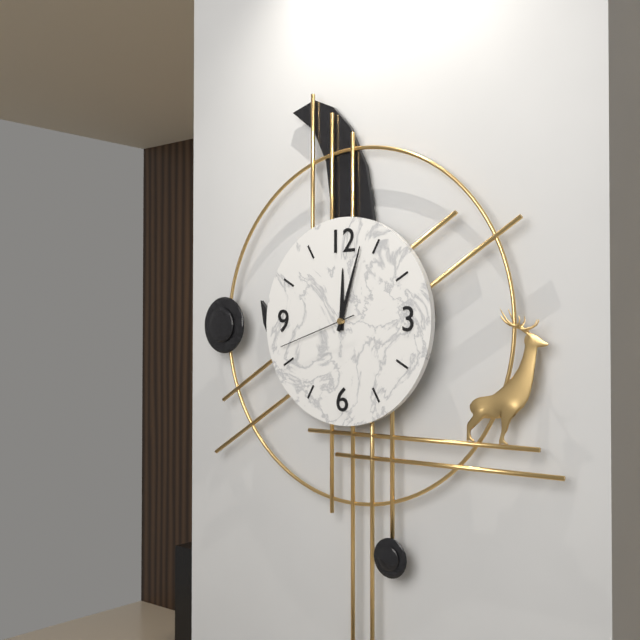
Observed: 12 h 03 min 42 s
